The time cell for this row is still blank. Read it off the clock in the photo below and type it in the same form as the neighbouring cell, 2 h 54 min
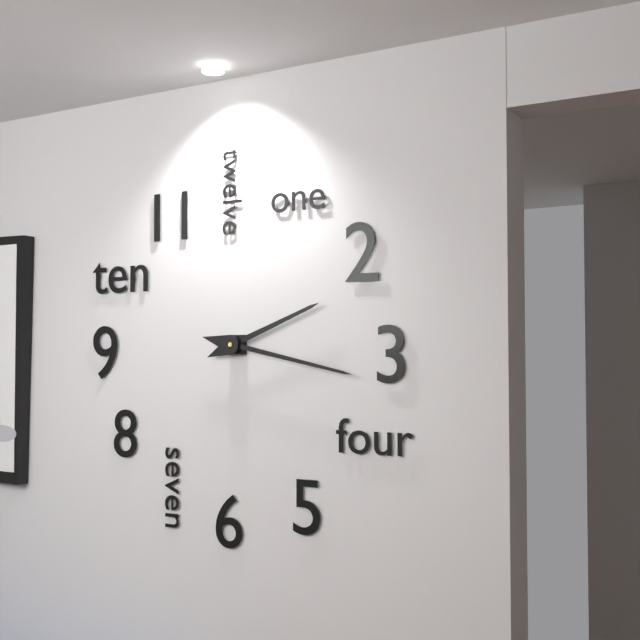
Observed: 2 h 17 min
